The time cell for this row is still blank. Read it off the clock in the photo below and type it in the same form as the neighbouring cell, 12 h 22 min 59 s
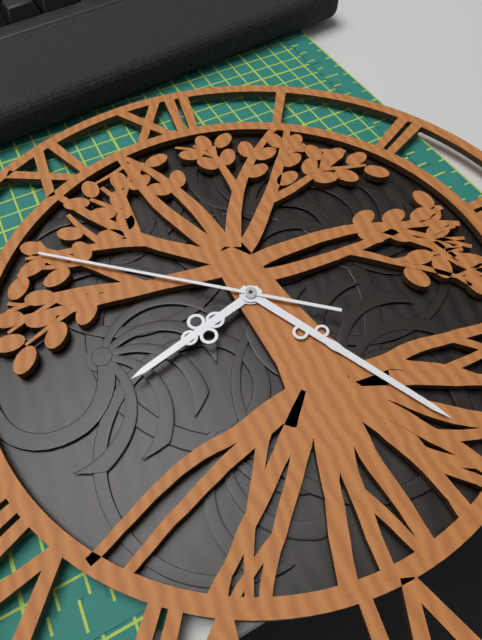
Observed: 8 h 25 min 51 s
